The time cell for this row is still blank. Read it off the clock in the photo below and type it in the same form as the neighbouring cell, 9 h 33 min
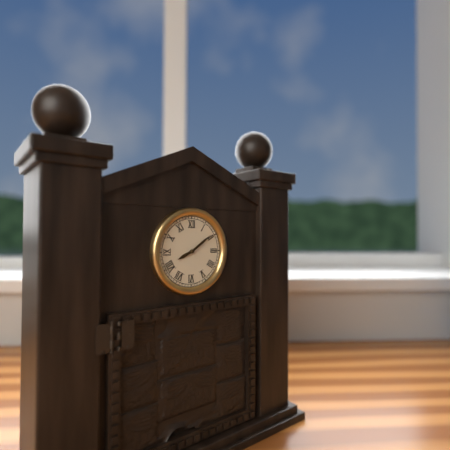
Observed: 8 h 09 min
